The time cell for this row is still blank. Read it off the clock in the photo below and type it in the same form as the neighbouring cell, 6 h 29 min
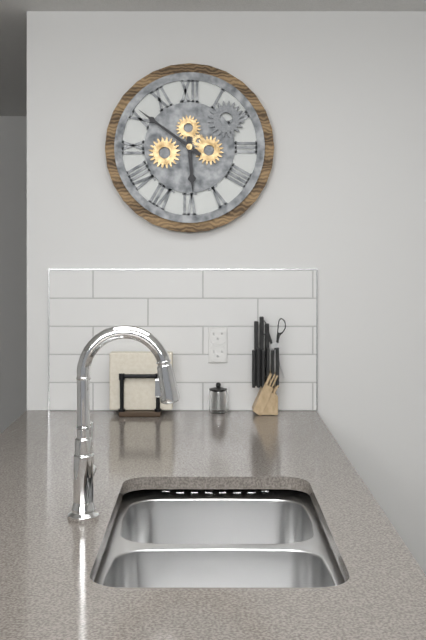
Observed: 5 h 51 min
